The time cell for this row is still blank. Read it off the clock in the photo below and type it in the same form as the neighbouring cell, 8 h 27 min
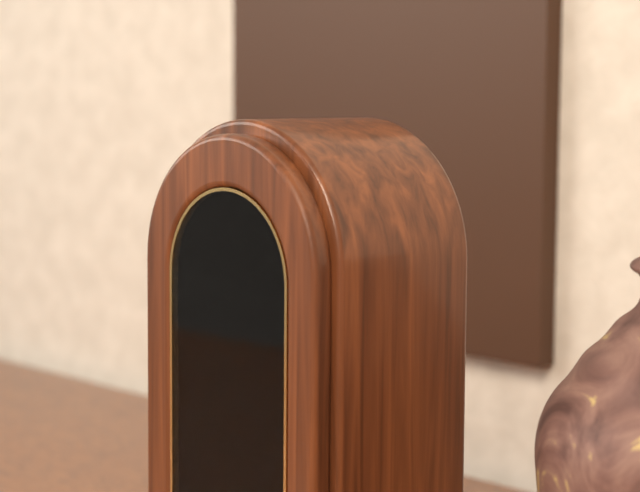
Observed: 12 h 19 min
